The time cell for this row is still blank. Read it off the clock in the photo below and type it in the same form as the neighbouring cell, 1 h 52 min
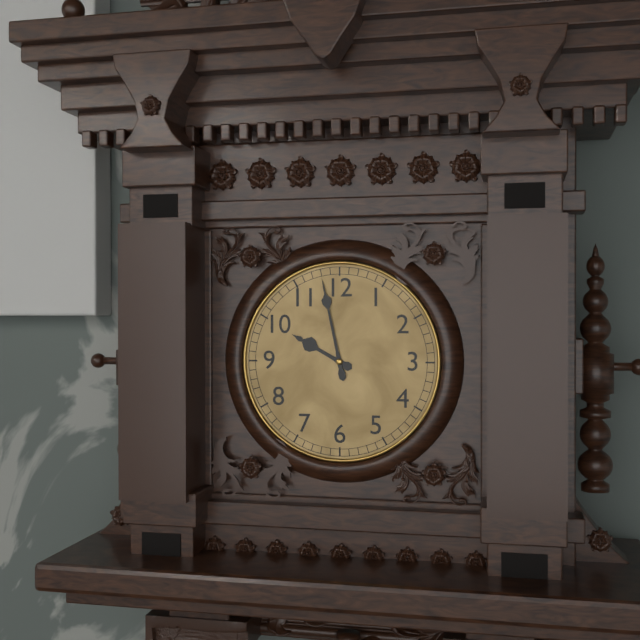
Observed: 9 h 58 min
